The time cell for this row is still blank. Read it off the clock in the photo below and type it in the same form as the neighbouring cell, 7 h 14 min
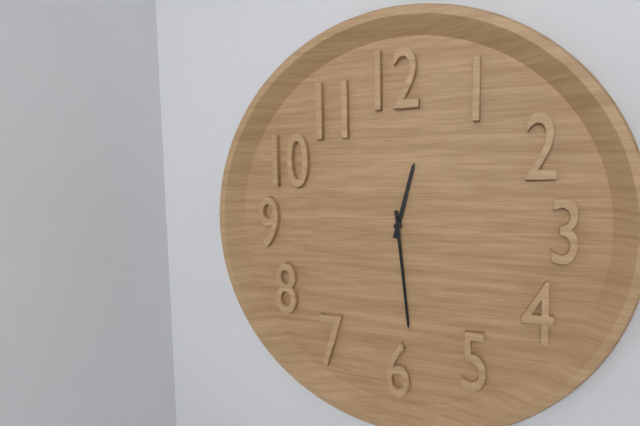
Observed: 12 h 29 min
